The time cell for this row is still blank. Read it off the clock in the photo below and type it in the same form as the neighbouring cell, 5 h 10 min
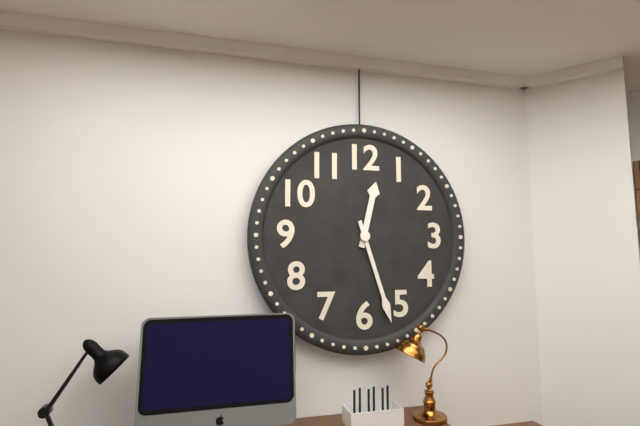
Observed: 12 h 27 min
